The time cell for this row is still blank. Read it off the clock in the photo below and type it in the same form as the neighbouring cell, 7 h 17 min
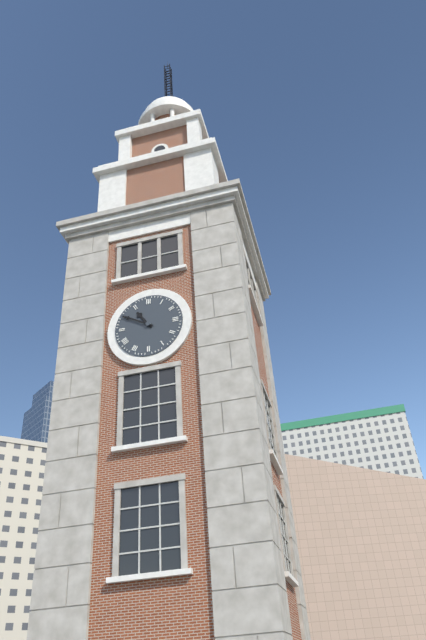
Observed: 10 h 50 min
